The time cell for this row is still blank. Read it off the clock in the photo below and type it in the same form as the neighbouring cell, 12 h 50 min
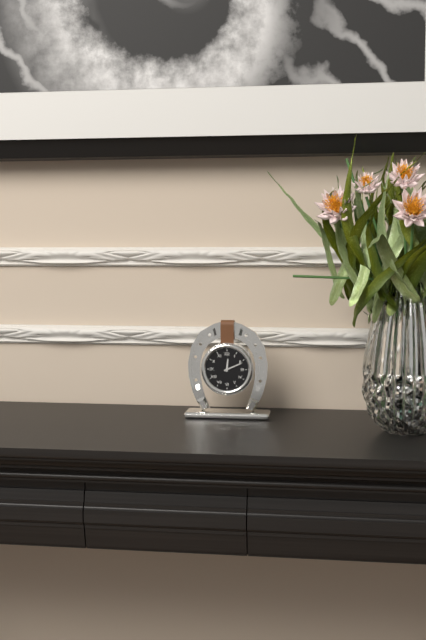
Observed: 12 h 11 min
